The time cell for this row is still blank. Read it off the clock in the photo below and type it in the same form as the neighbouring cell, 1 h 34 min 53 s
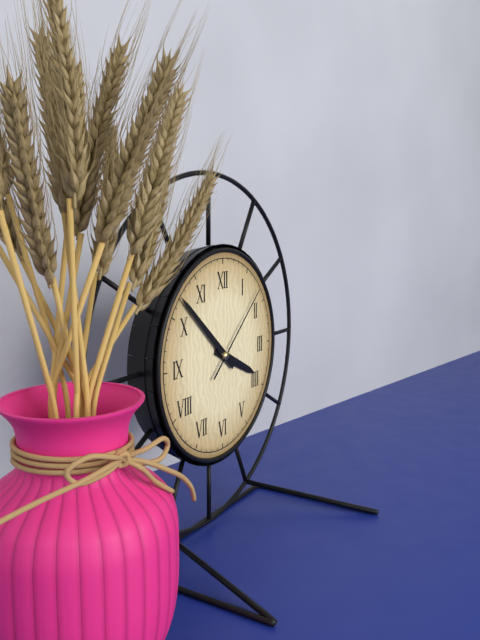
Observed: 3 h 52 min 08 s
